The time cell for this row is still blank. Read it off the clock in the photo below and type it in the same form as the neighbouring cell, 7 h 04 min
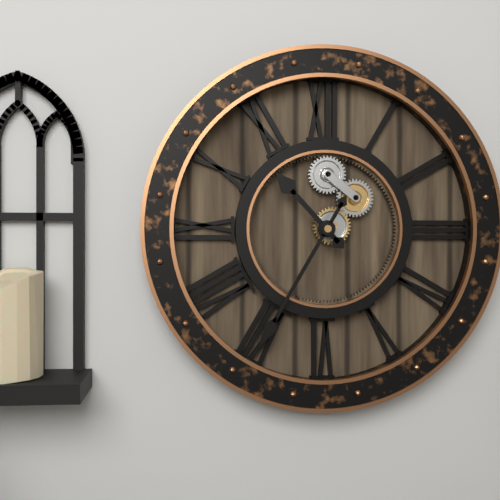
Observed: 10 h 35 min
